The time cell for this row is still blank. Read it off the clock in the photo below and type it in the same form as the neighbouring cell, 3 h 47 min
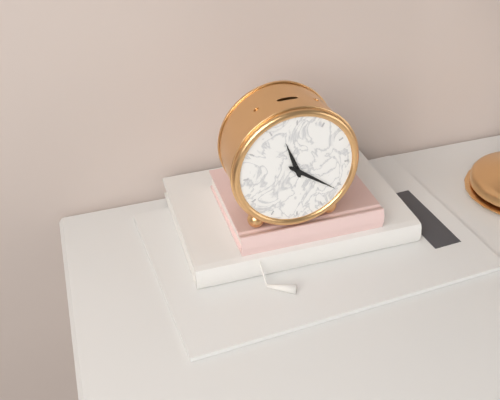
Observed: 11 h 21 min
